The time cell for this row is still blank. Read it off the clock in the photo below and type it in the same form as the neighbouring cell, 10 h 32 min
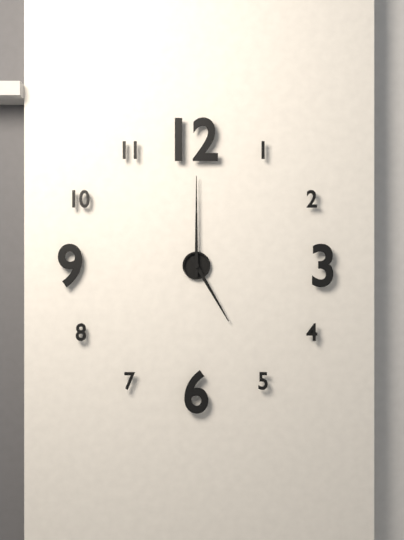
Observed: 5 h 00 min
